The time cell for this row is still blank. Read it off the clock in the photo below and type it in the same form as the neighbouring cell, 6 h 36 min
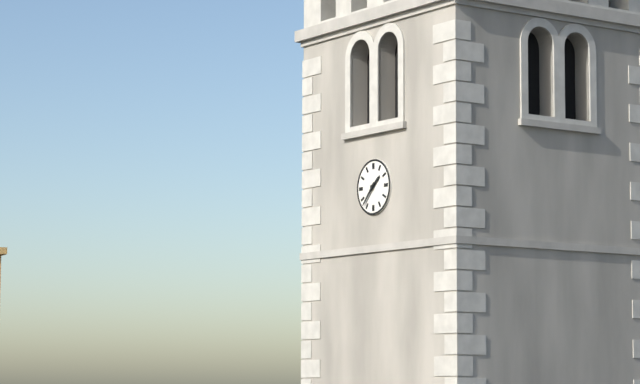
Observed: 1 h 37 min
